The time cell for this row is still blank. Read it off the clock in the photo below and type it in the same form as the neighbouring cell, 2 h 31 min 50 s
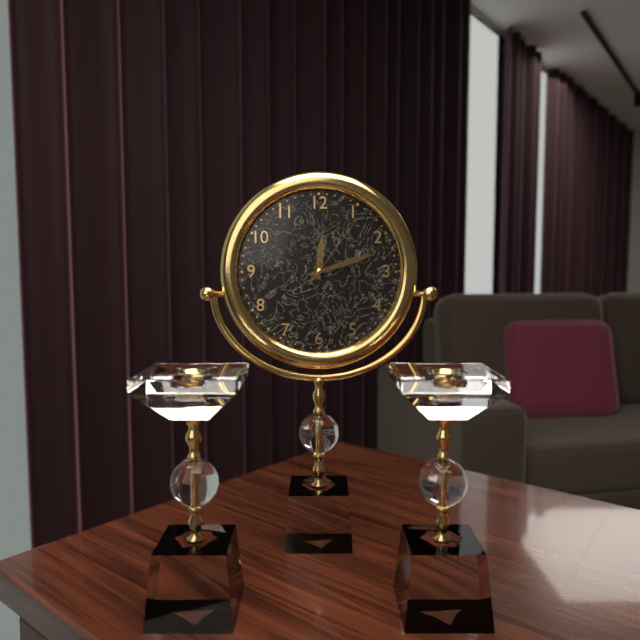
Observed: 12 h 12 min 06 s
